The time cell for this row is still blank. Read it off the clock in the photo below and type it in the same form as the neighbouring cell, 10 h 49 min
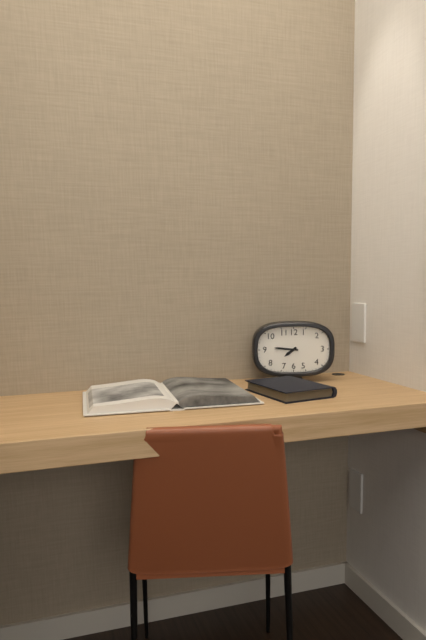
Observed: 7 h 46 min
